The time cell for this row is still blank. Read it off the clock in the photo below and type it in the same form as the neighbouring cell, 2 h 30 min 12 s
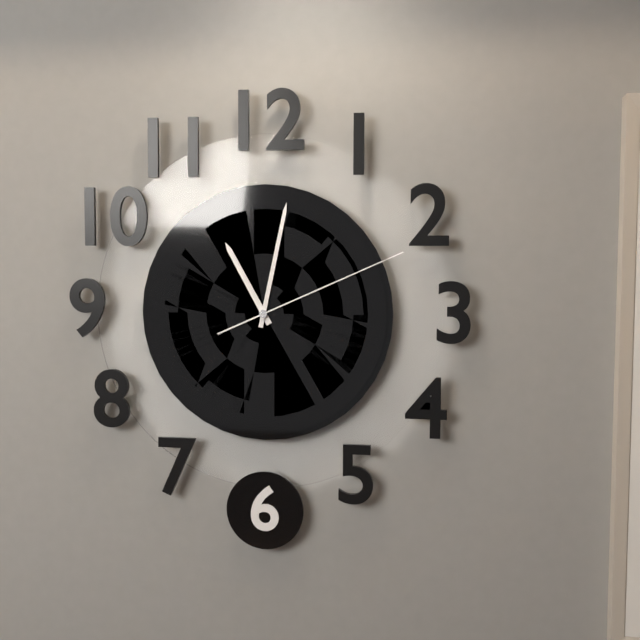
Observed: 11 h 02 min 11 s
